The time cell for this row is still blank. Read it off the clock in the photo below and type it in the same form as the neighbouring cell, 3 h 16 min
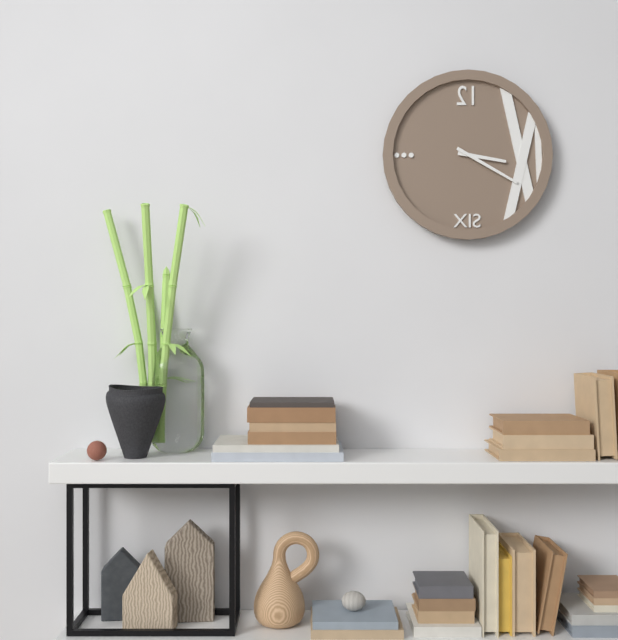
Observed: 3 h 20 min
